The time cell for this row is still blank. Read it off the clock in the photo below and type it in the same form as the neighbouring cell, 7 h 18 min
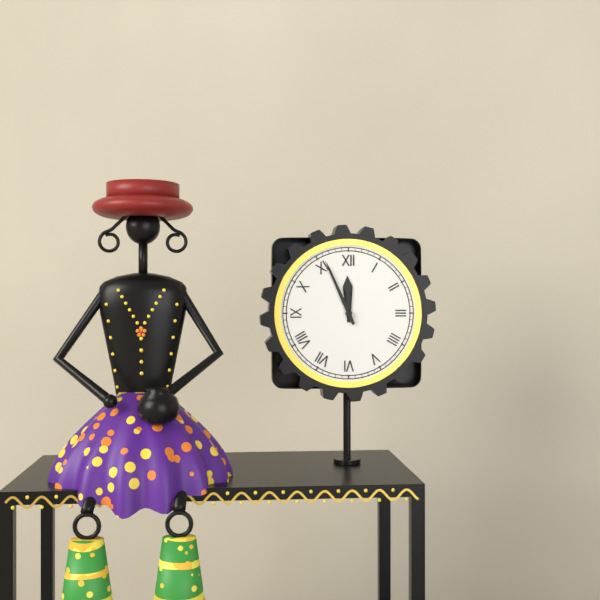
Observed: 11 h 56 min
